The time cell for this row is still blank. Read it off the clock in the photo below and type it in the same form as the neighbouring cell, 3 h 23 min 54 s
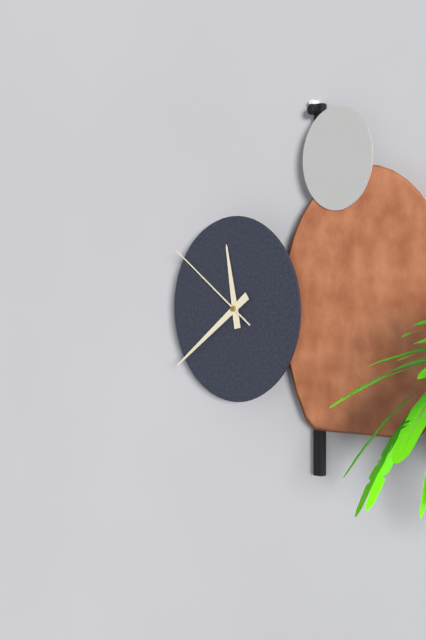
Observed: 11 h 39 min 51 s
